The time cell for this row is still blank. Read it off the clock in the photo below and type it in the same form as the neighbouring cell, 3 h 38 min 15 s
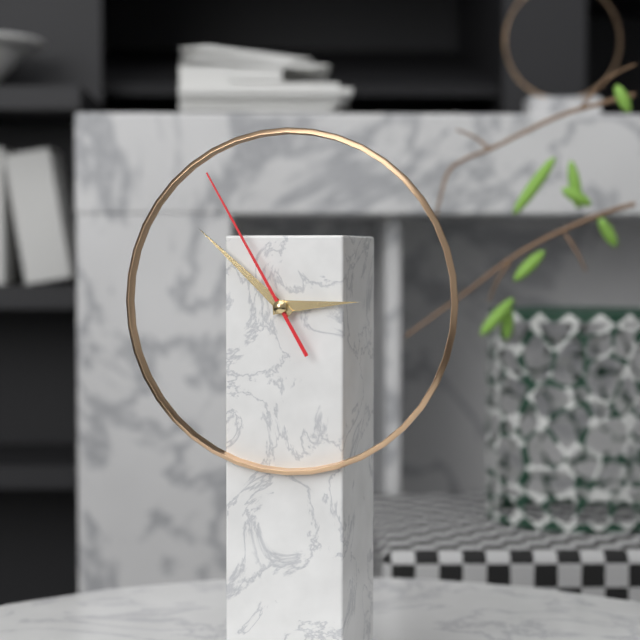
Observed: 2 h 52 min 55 s
